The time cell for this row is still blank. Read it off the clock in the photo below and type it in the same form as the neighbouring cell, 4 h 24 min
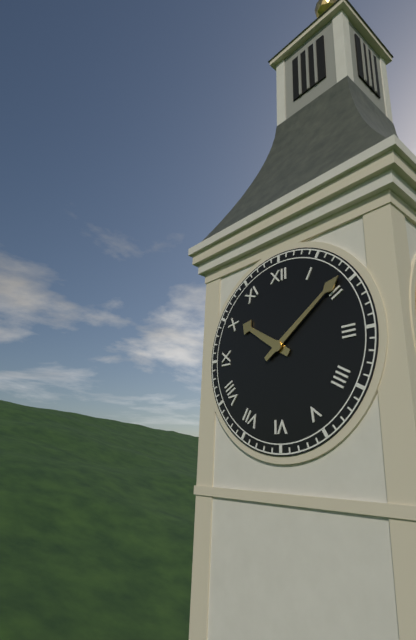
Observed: 10 h 09 min
